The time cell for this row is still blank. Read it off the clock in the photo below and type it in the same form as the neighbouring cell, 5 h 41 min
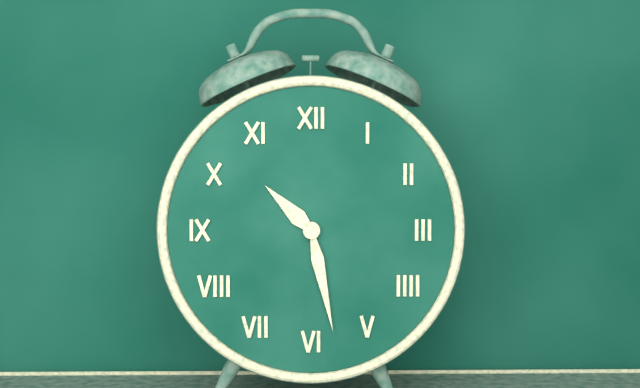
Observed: 10 h 28 min
